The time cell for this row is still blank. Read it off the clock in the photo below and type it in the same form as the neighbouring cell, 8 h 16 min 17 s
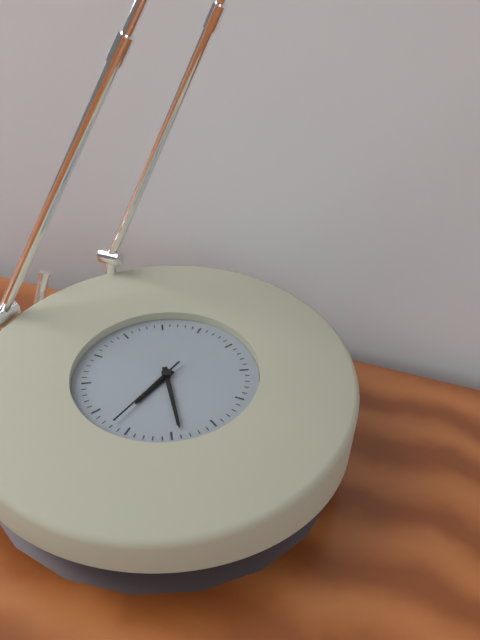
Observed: 6 h 24 min 32 s
